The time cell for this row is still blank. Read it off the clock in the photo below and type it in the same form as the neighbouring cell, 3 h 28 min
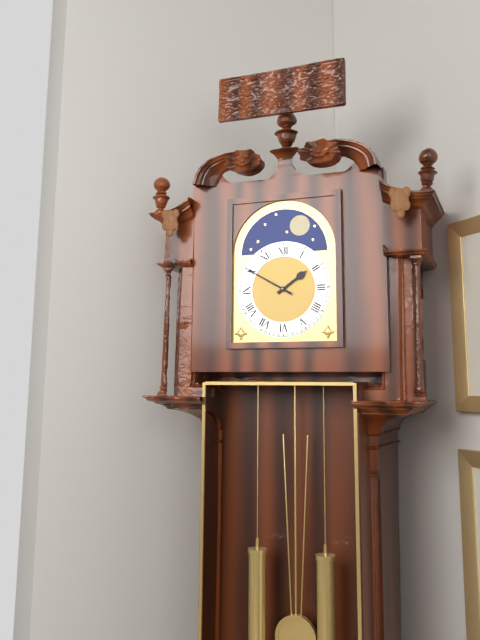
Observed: 1 h 50 min
